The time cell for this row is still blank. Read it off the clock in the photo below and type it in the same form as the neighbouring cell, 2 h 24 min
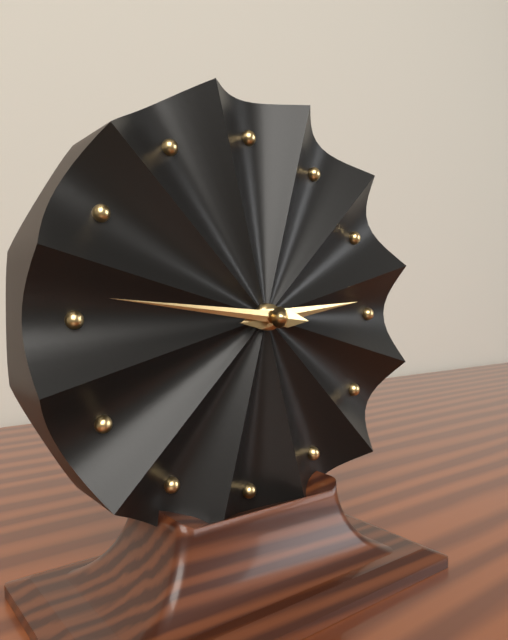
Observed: 2 h 46 min
